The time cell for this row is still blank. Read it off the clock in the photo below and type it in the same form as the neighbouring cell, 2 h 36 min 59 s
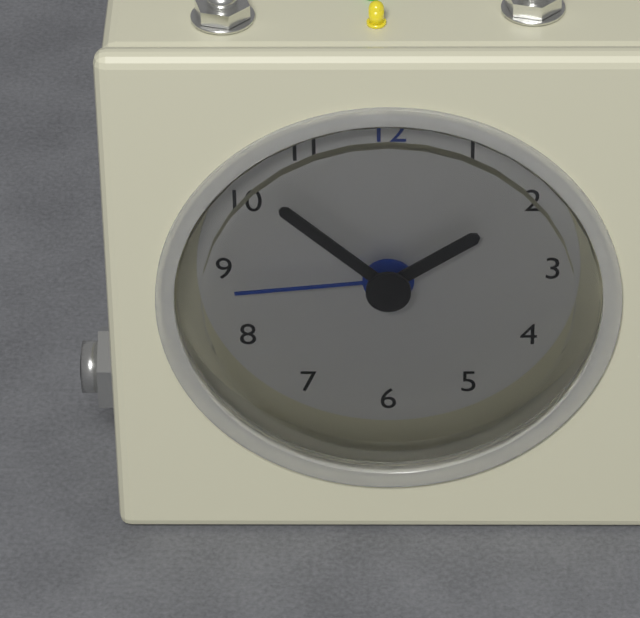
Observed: 1 h 52 min 44 s
